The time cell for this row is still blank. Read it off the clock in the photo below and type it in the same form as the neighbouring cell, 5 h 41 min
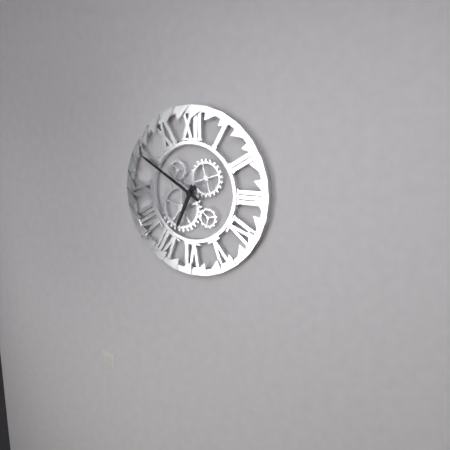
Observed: 6 h 50 min
